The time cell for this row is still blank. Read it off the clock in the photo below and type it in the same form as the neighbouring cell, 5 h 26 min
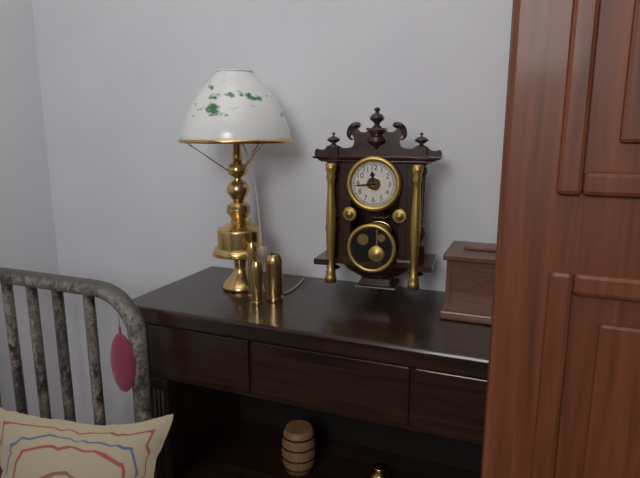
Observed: 11 h 44 min
